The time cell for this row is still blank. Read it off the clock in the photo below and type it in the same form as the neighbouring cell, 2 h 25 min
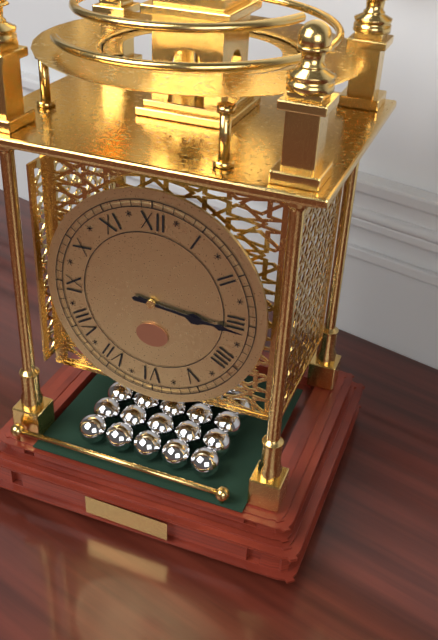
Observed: 3 h 16 min
